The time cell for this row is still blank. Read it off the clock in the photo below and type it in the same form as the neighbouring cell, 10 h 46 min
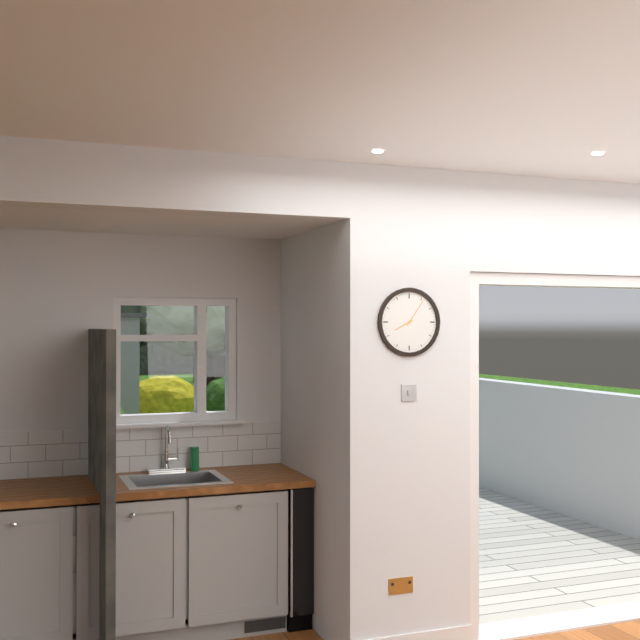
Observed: 8 h 06 min
